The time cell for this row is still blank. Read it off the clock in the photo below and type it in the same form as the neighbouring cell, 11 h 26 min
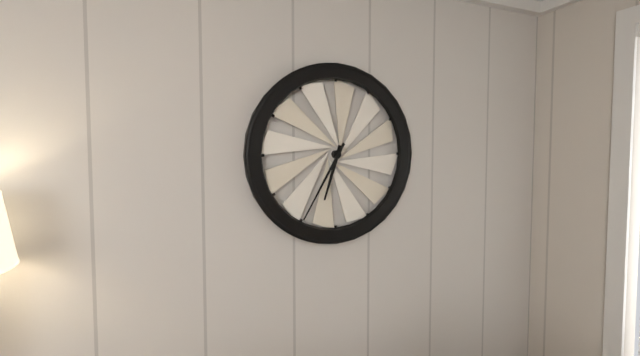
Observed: 6 h 35 min
